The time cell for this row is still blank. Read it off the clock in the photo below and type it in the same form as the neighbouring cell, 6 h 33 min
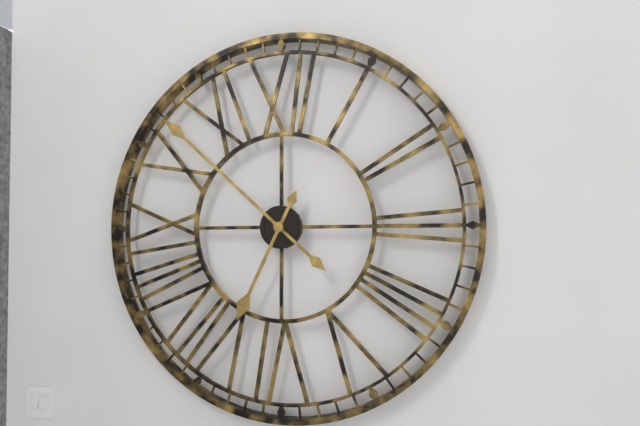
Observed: 6 h 52 min
